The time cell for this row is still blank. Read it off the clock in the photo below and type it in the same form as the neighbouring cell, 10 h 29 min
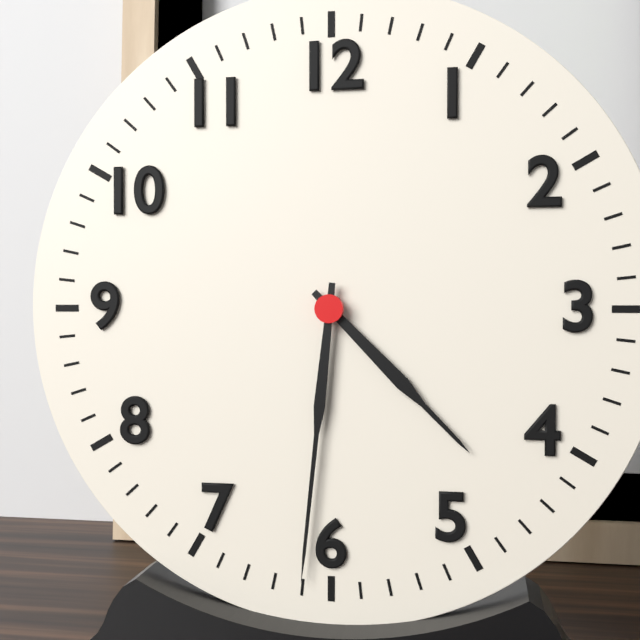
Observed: 4 h 31 min
